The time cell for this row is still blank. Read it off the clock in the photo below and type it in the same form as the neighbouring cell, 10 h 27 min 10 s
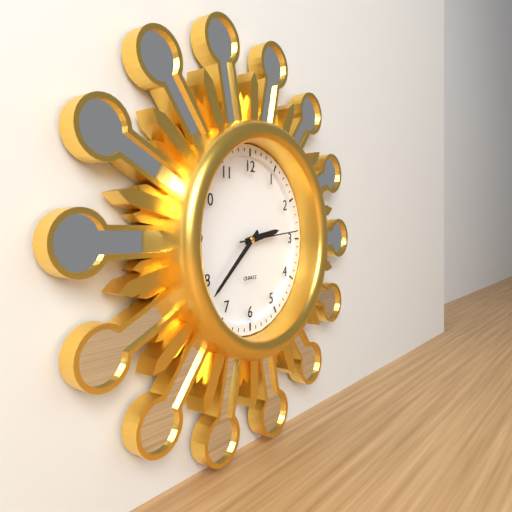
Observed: 2 h 38 min 14 s
